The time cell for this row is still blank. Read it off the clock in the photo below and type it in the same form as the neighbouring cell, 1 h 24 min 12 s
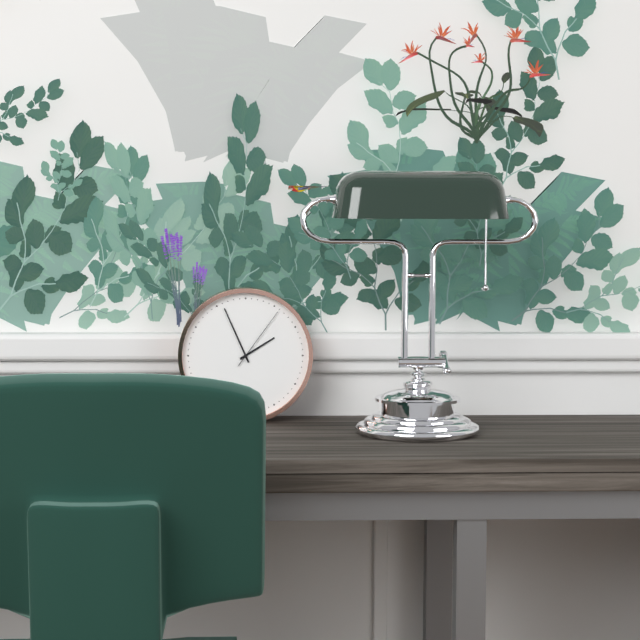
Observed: 1 h 56 min 06 s
